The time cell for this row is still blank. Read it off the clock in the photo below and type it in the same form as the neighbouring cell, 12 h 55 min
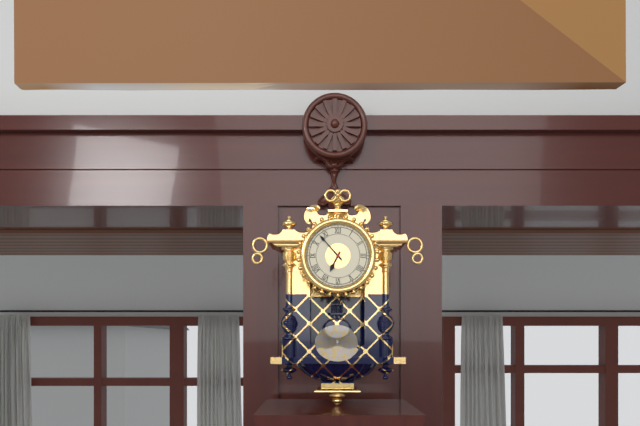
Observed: 6 h 53 min
